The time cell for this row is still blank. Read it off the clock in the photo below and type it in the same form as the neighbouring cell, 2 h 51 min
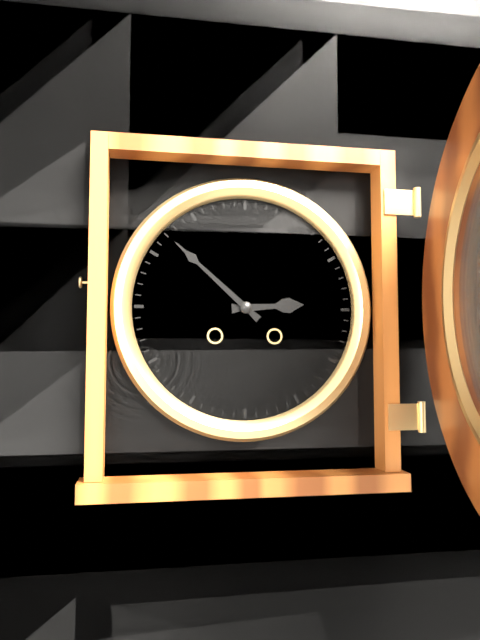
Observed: 2 h 52 min
